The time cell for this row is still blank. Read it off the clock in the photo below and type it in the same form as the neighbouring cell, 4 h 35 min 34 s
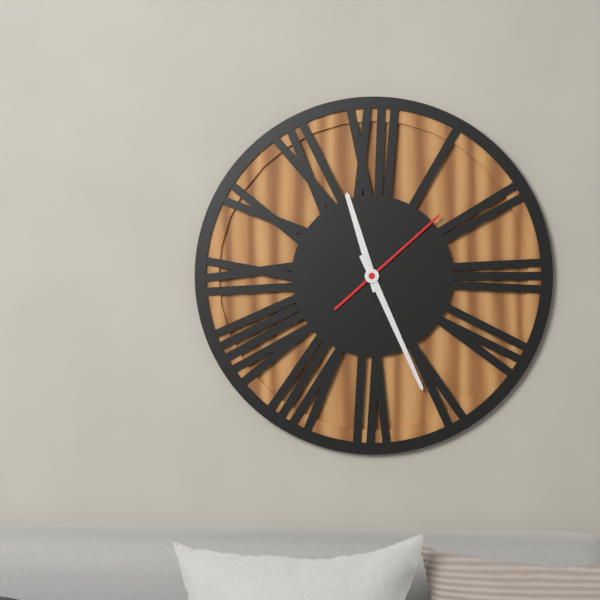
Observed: 11 h 26 min 08 s
